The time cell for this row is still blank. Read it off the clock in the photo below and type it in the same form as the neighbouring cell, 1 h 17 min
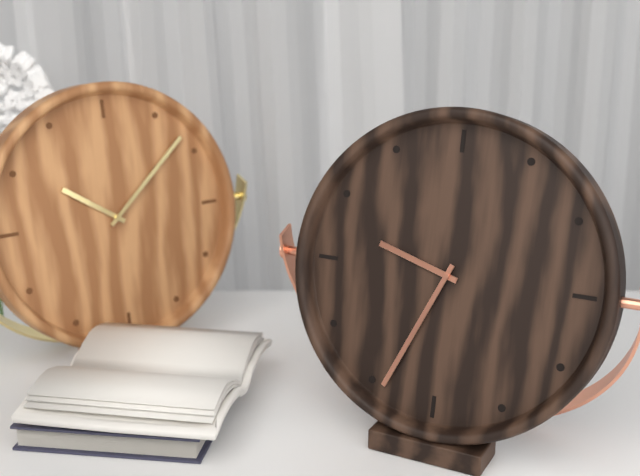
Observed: 9 h 34 min
